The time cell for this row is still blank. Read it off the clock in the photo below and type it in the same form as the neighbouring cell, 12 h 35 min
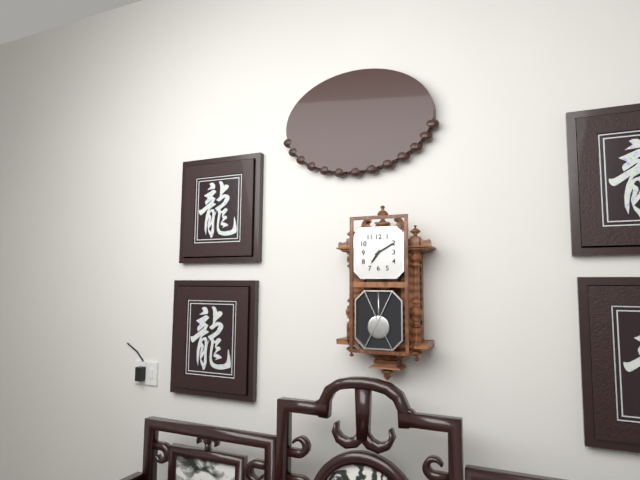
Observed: 7 h 10 min
